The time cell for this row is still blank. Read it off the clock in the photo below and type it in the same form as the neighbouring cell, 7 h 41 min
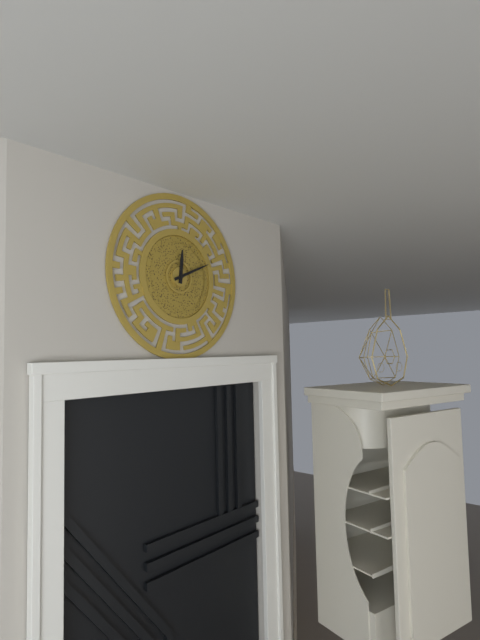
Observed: 12 h 11 min
